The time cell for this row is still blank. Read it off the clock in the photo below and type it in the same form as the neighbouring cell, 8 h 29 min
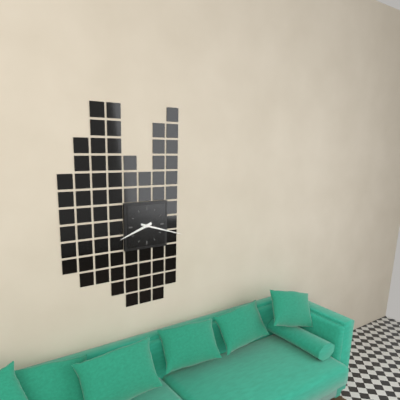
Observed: 8 h 18 min
